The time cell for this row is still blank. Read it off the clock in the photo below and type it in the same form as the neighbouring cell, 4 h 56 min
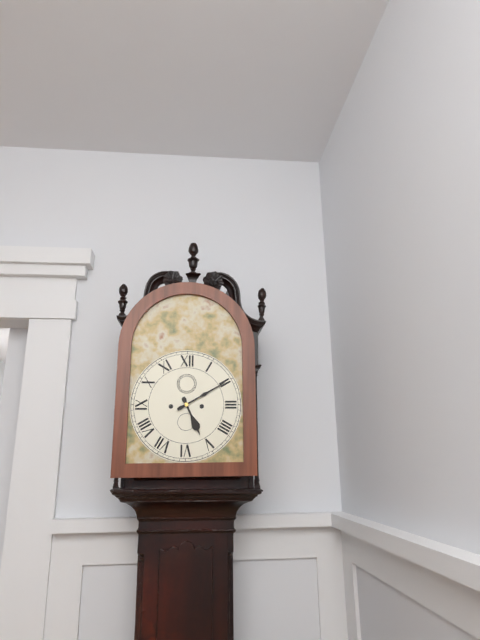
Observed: 5 h 10 min
